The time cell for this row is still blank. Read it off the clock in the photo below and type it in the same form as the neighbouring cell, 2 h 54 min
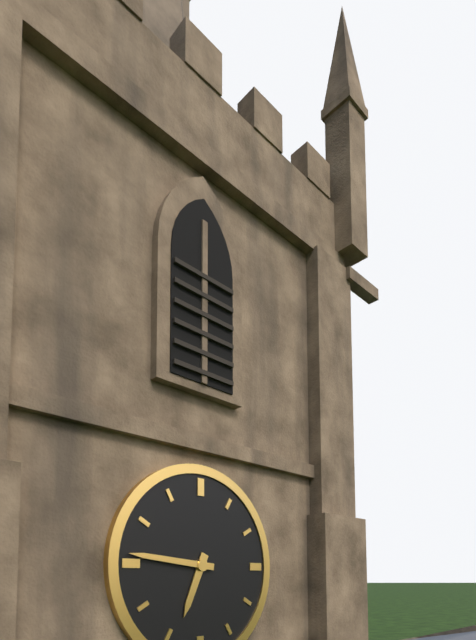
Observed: 6 h 46 min
